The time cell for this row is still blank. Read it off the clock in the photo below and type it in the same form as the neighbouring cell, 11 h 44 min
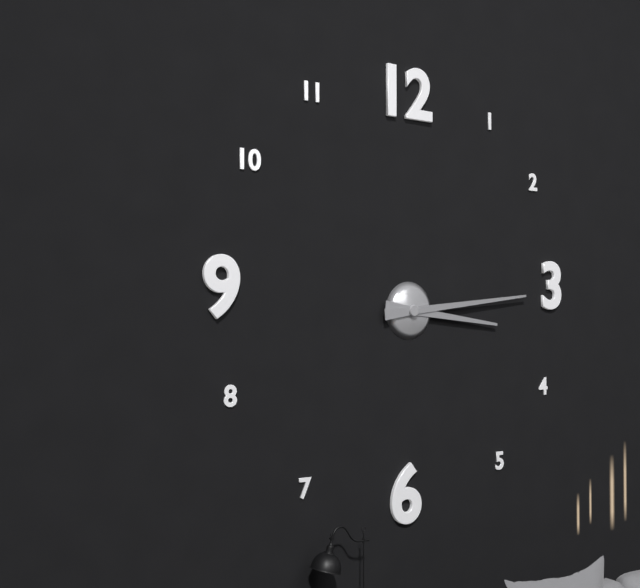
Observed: 3 h 14 min
